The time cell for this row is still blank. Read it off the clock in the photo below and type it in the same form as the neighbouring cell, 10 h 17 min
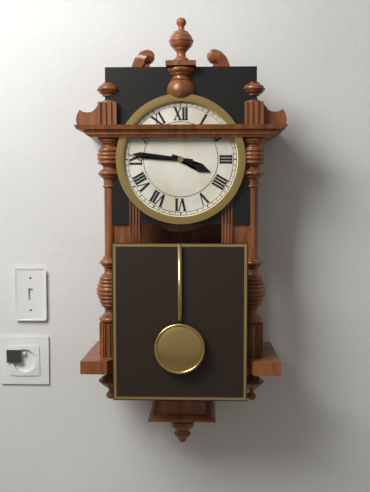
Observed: 3 h 46 min
